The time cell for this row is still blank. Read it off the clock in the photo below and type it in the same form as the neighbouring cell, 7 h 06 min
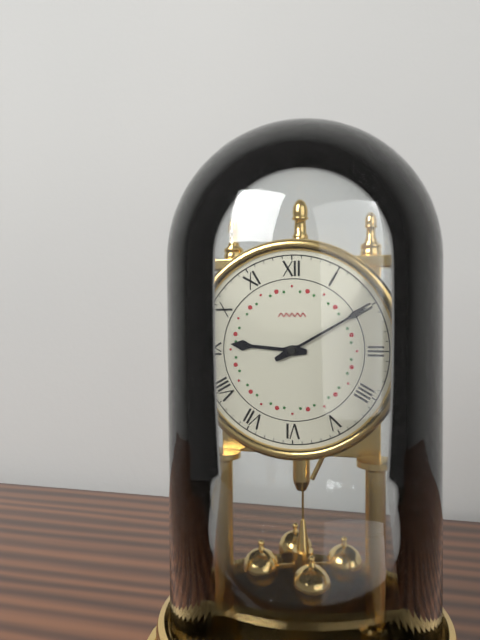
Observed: 9 h 10 min
